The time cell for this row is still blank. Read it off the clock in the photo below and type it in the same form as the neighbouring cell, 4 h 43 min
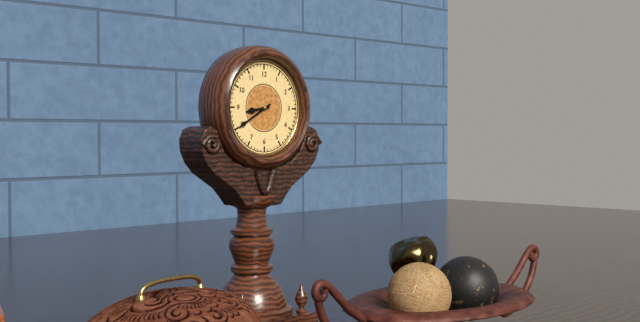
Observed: 8 h 40 min
